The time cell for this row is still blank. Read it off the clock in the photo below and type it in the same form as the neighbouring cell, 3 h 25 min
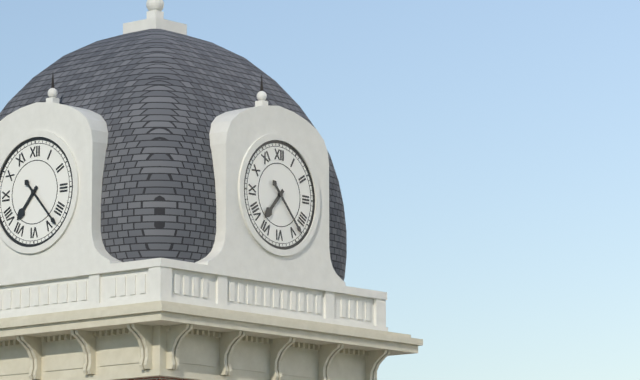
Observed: 7 h 23 min
